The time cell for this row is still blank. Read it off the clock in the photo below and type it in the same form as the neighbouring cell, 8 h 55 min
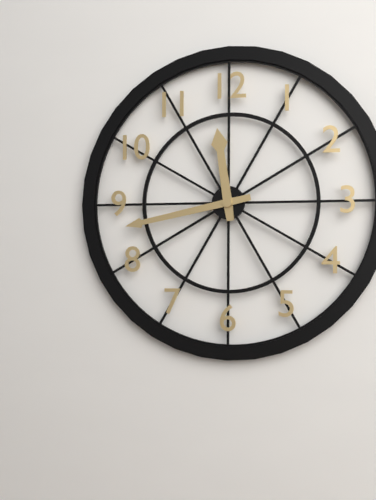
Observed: 11 h 43 min
